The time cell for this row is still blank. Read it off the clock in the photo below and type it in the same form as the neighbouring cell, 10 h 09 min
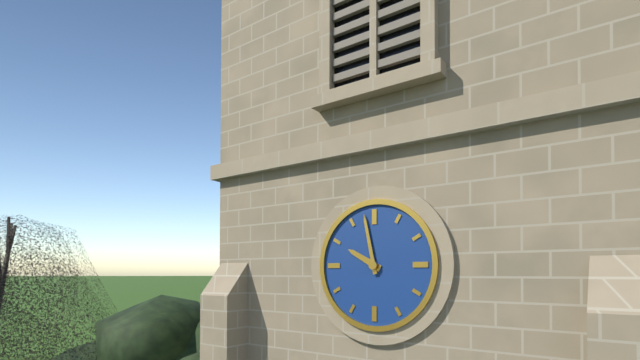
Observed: 9 h 58 min
